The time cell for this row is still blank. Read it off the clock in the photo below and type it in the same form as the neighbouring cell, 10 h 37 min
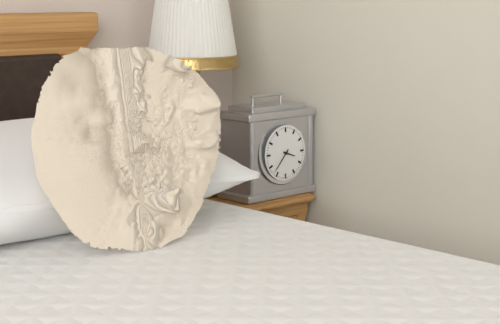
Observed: 3 h 37 min
